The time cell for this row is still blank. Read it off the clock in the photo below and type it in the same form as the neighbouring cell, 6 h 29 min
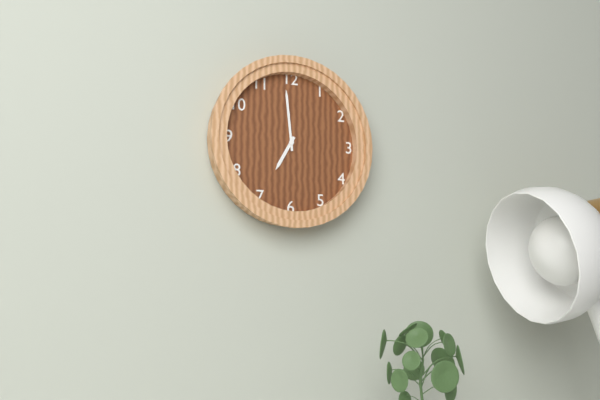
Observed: 6 h 59 min
